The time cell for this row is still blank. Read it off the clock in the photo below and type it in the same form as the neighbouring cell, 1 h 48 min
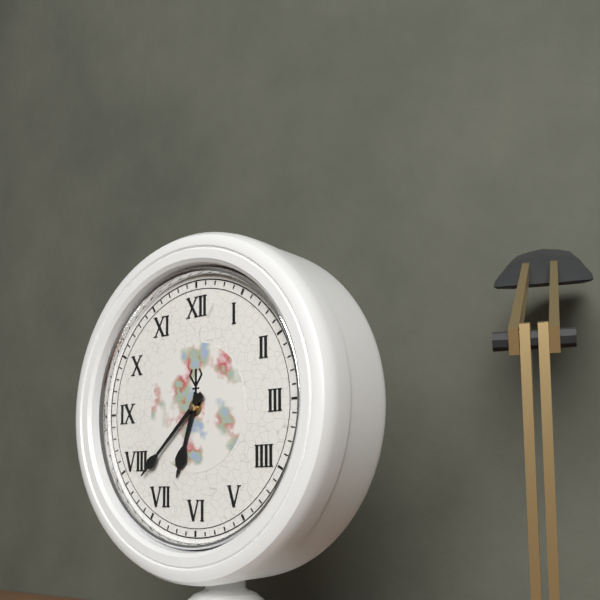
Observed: 6 h 38 min
